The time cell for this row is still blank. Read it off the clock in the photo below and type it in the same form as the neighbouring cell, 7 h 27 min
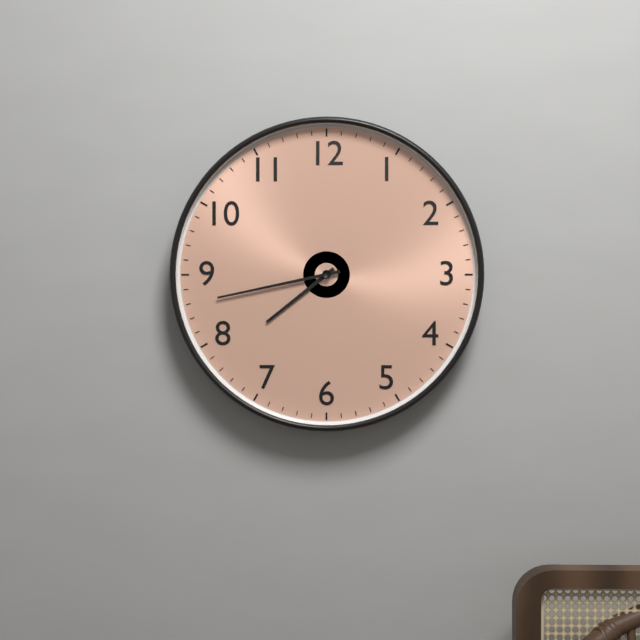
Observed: 7 h 43 min
